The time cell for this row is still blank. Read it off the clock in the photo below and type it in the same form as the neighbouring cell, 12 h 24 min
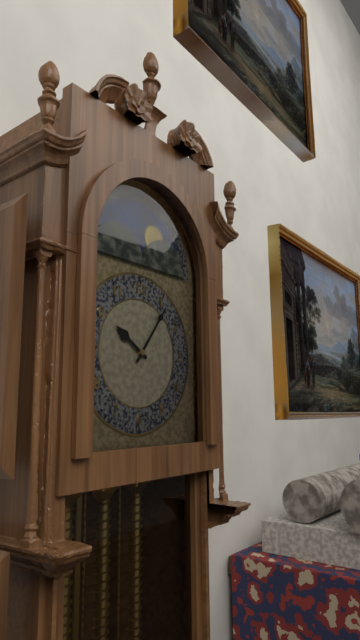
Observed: 10 h 06 min
